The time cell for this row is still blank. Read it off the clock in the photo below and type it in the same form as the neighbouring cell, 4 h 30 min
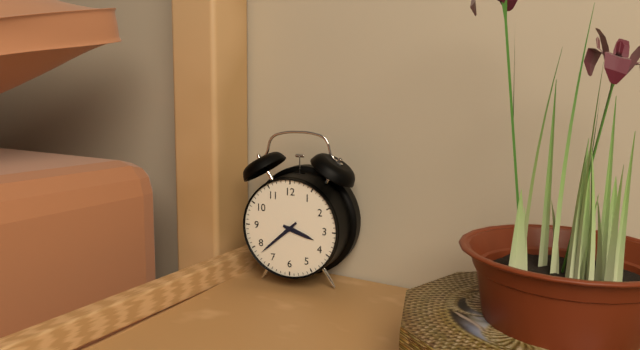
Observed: 3 h 38 min
